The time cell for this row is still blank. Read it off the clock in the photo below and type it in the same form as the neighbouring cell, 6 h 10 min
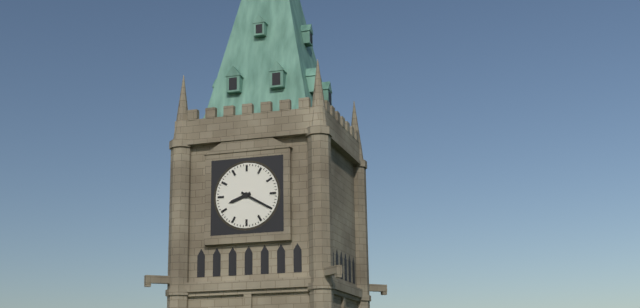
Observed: 8 h 20 min
